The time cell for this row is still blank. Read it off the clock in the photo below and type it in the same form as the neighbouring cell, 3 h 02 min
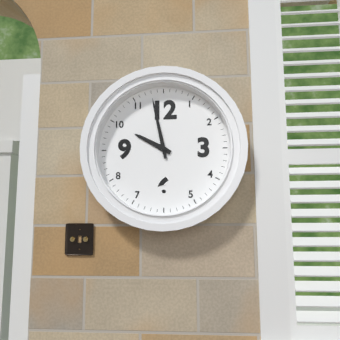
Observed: 9 h 58 min
